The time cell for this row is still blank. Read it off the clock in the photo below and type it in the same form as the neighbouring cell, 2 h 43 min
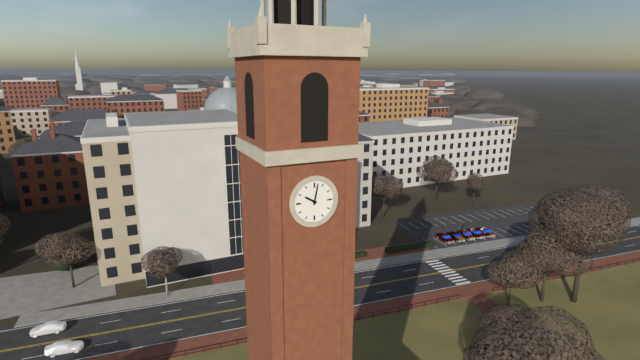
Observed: 10 h 02 min
